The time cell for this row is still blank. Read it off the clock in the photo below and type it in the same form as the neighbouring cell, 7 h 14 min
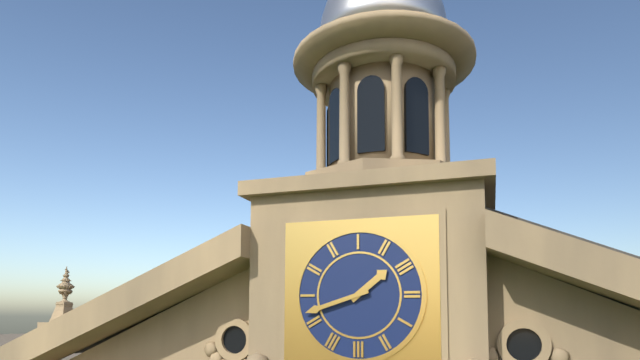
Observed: 1 h 42 min
